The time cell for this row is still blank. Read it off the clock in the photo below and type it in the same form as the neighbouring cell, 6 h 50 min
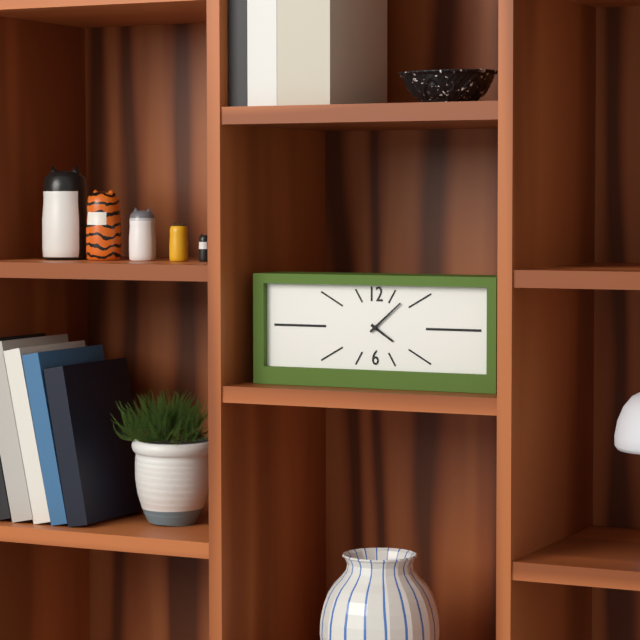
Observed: 4 h 08 min
